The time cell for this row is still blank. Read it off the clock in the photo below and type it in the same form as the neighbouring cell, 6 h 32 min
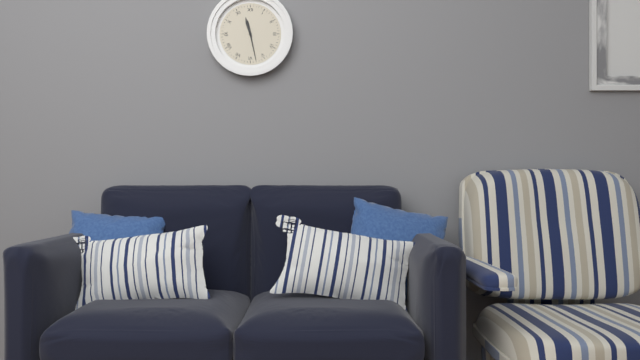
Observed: 11 h 28 min
